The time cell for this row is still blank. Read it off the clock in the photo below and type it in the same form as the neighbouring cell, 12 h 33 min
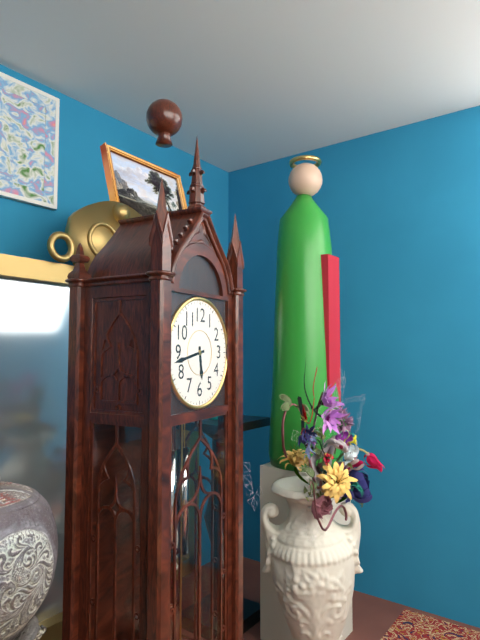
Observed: 5 h 43 min
